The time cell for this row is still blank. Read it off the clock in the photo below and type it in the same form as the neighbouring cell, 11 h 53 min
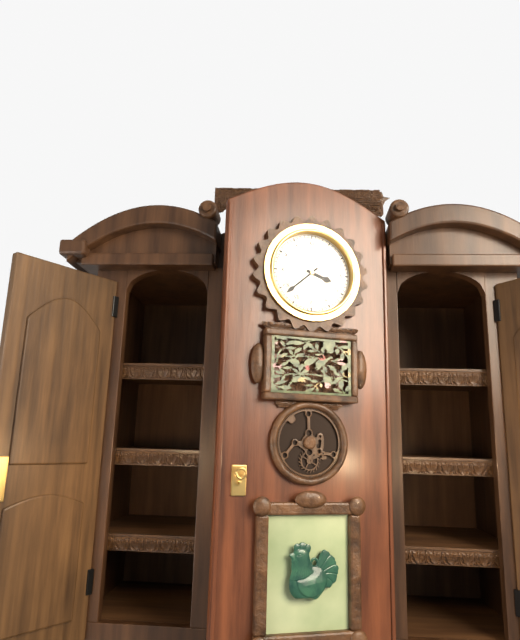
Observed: 3 h 38 min
